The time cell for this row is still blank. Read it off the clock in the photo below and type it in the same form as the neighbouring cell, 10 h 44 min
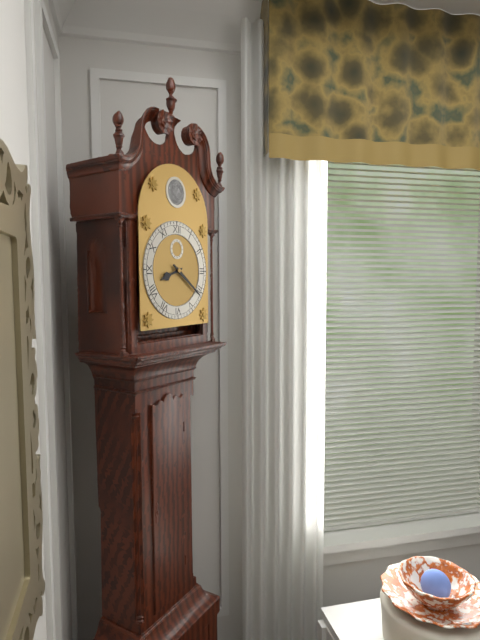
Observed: 8 h 21 min
